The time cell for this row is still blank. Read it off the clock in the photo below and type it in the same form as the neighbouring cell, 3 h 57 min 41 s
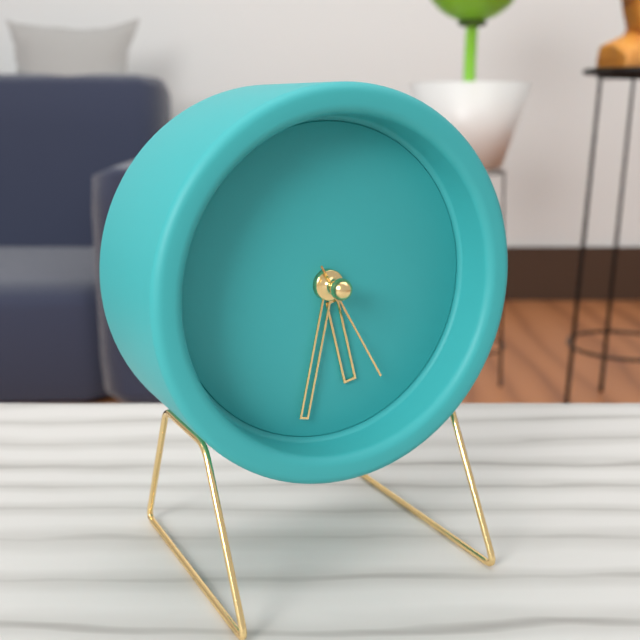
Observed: 5 h 32 min 25 s
